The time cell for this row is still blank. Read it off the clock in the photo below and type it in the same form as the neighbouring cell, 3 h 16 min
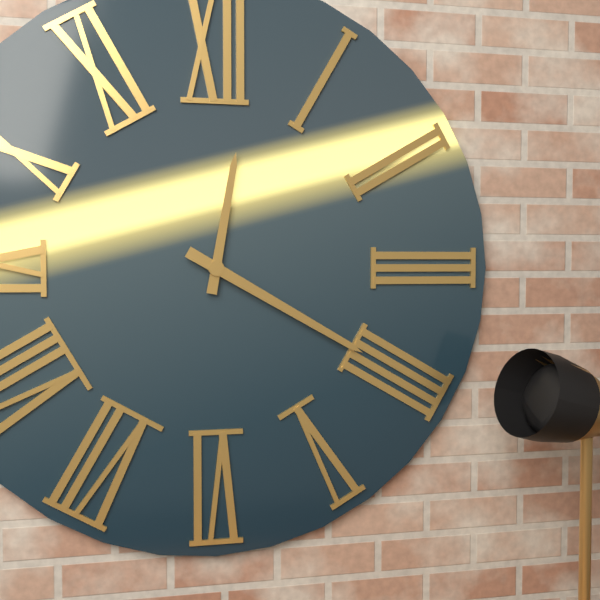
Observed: 12 h 20 min
